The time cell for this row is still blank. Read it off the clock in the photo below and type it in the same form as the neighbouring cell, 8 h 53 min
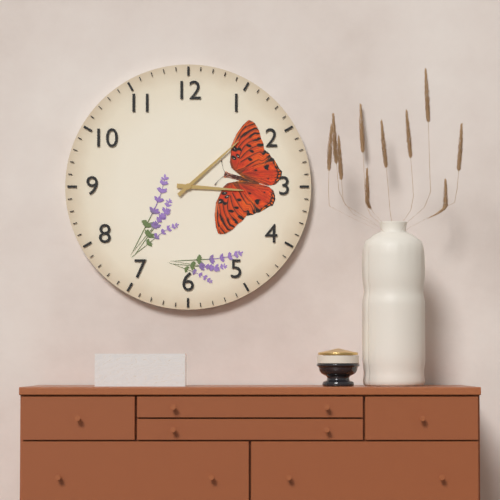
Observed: 3 h 08 min
